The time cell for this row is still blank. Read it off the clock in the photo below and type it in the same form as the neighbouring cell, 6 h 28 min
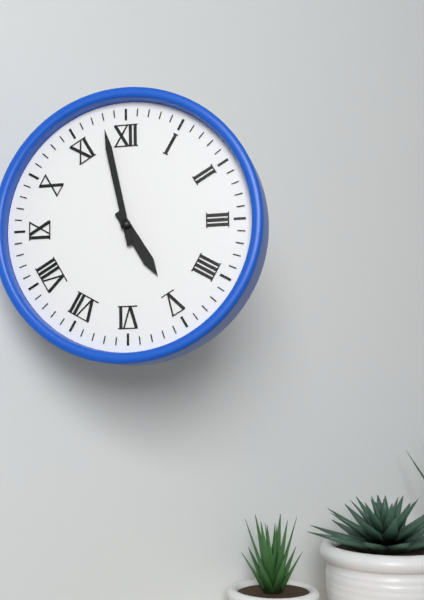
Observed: 4 h 58 min
